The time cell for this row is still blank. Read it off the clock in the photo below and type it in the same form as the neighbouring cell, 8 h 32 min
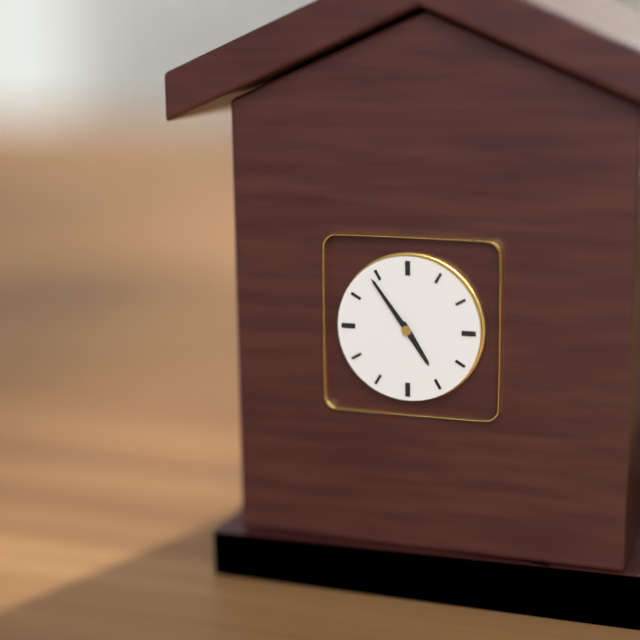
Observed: 4 h 54 min
